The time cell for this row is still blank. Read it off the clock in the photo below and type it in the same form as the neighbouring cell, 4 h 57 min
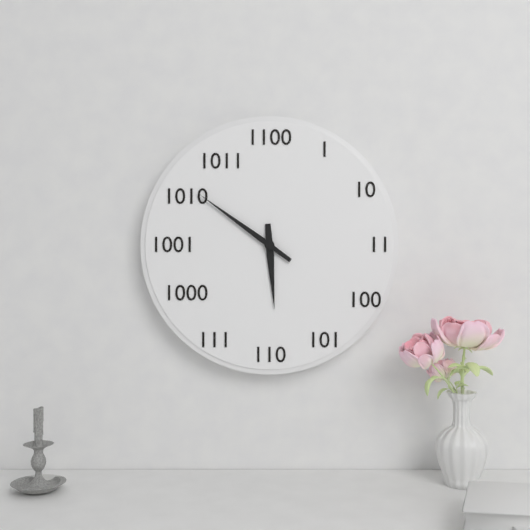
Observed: 5 h 51 min
